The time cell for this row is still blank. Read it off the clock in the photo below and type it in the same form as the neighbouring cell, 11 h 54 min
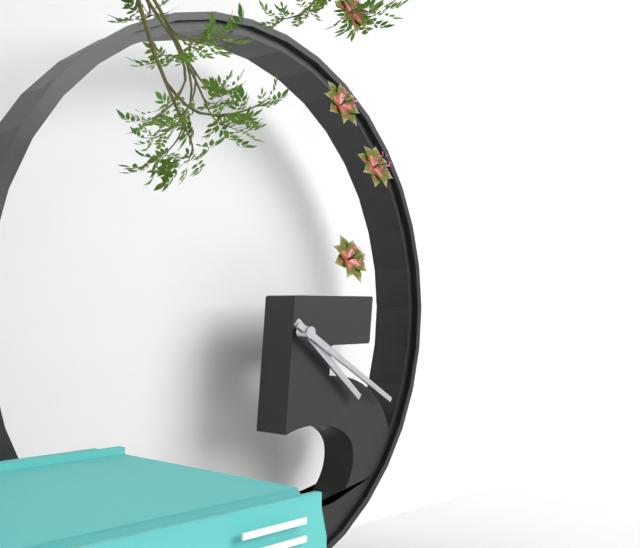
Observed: 4 h 20 min
